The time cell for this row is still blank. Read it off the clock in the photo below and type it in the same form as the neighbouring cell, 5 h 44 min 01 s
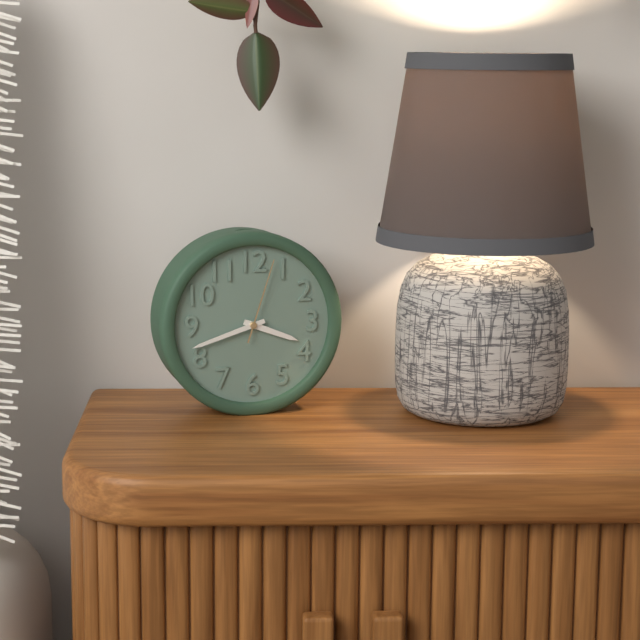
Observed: 3 h 42 min 03 s
